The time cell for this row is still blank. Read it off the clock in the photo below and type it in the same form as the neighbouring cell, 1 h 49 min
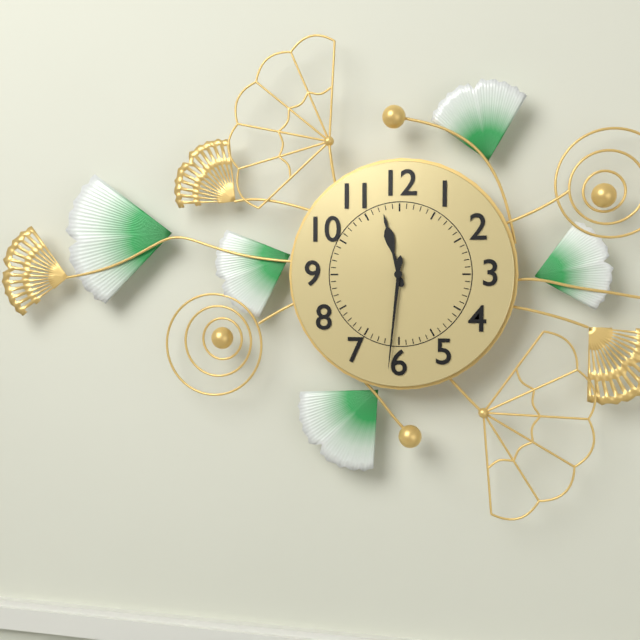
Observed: 11 h 31 min
